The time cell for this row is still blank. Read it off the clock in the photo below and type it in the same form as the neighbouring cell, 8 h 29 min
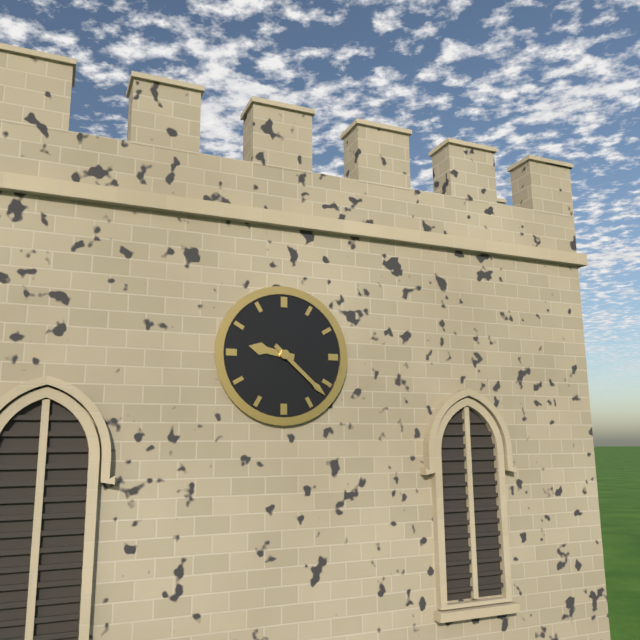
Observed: 9 h 22 min
